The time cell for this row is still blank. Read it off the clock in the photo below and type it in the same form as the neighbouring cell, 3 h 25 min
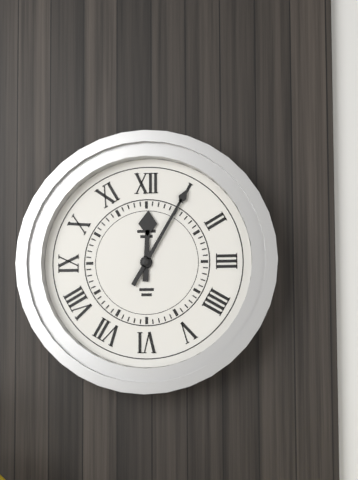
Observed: 12 h 05 min
